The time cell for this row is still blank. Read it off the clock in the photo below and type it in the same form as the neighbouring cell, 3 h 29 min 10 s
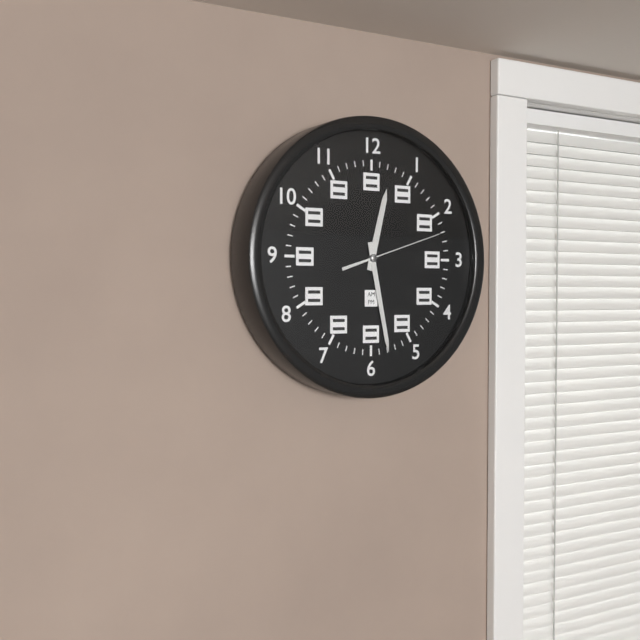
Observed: 12 h 28 min 12 s
